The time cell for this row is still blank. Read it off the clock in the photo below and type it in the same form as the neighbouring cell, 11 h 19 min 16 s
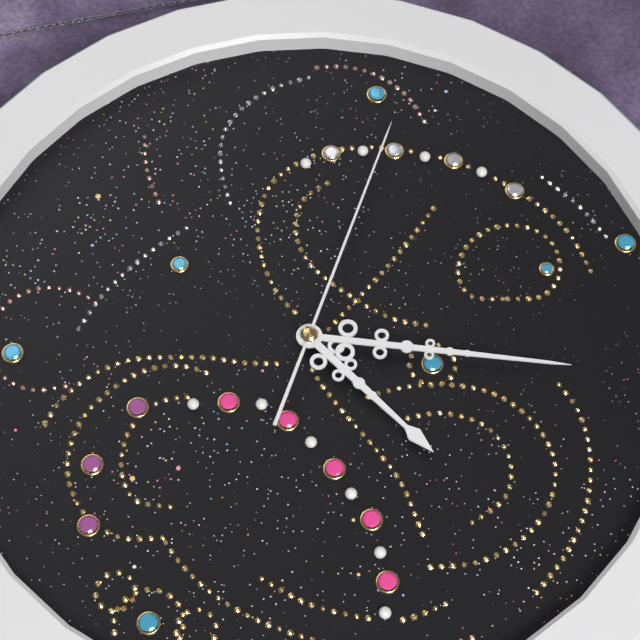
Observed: 9 h 42 min 29 s
